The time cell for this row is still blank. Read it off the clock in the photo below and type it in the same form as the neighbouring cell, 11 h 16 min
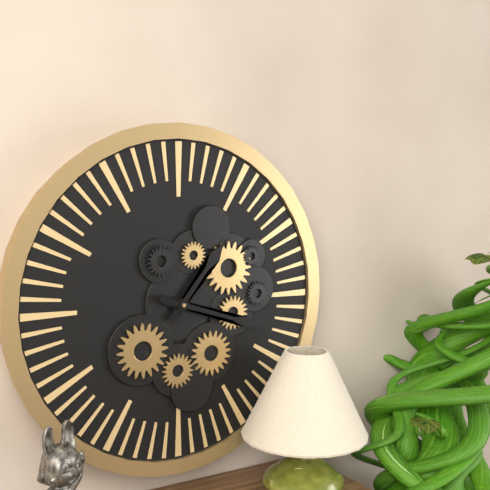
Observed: 1 h 18 min
